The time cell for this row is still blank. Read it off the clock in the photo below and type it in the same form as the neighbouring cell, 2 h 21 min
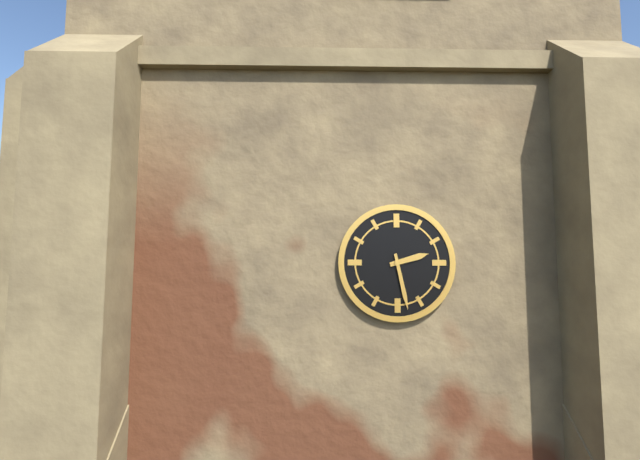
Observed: 2 h 28 min
